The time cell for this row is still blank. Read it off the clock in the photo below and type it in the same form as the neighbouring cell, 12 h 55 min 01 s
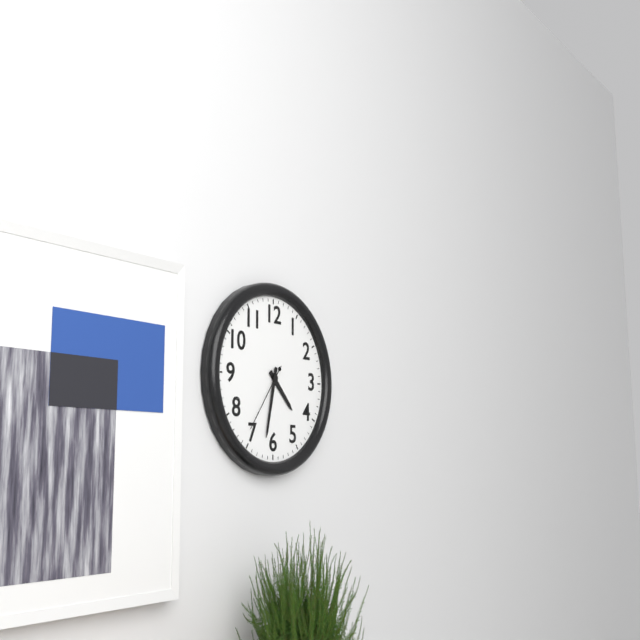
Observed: 4 h 32 min 36 s
